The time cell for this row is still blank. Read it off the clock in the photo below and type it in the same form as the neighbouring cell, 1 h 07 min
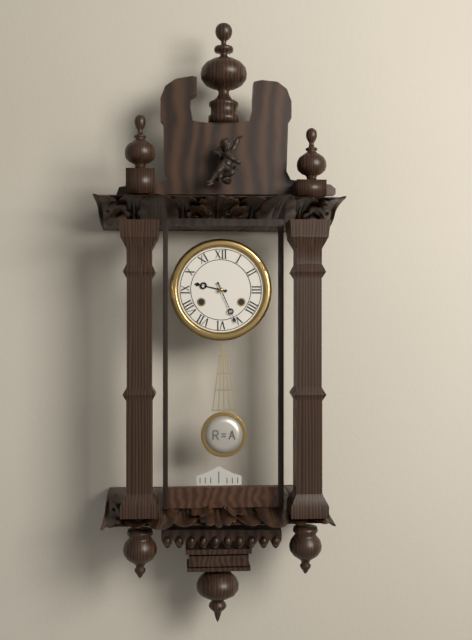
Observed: 9 h 26 min
